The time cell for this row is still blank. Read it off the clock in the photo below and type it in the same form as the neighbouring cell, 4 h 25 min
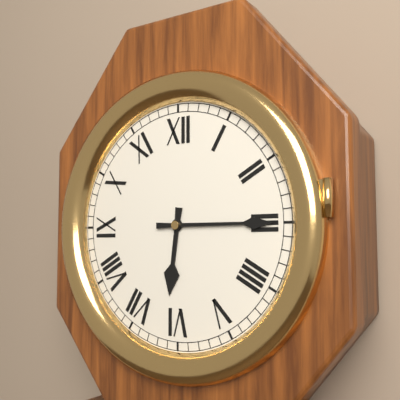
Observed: 6 h 15 min
